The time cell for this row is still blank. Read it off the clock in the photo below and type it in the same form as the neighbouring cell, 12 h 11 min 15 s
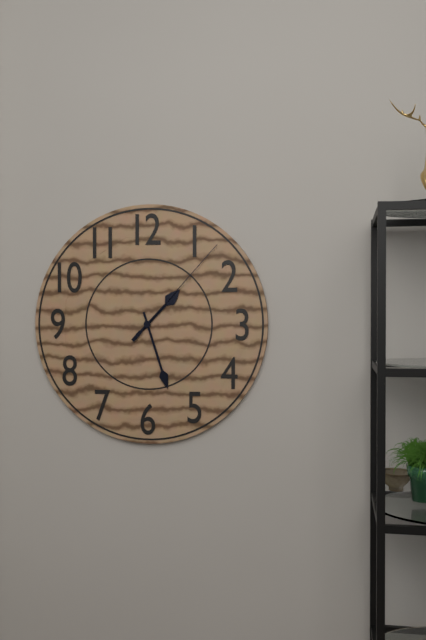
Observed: 1 h 27 min 07 s
